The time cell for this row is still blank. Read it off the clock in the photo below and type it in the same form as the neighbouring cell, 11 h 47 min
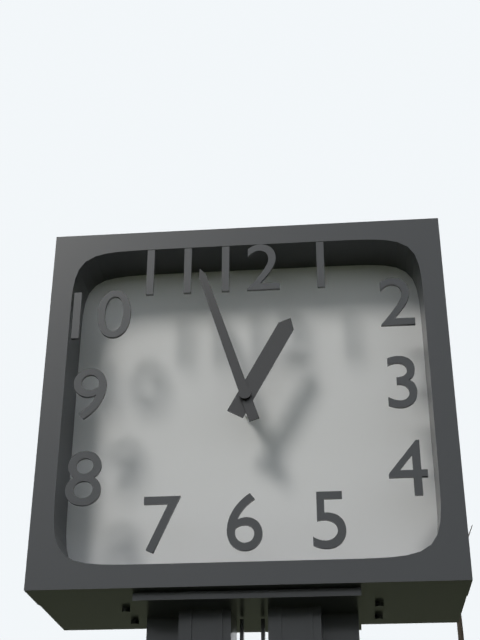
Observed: 12 h 57 min
